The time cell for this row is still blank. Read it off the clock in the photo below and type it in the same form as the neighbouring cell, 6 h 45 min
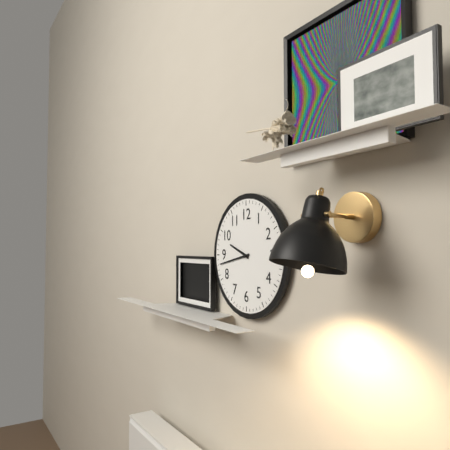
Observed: 9 h 43 min
